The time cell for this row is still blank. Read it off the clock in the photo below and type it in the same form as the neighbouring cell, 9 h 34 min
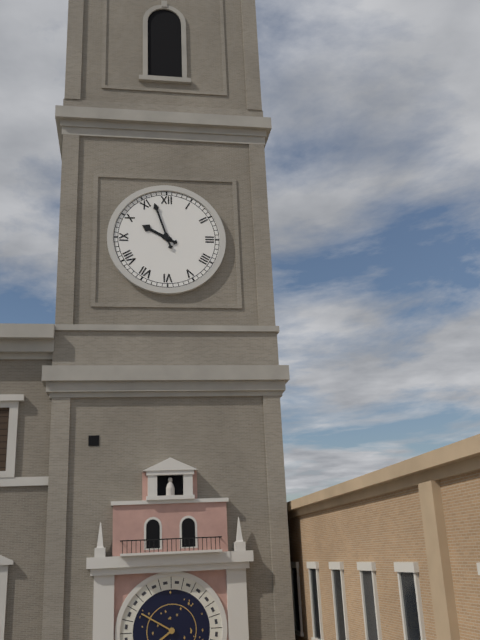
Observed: 9 h 57 min
